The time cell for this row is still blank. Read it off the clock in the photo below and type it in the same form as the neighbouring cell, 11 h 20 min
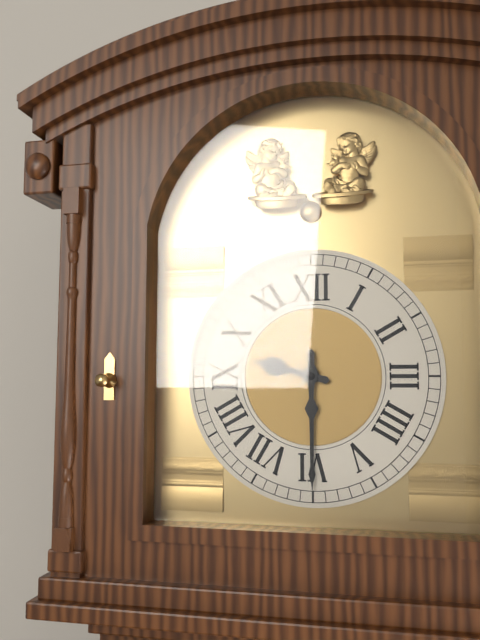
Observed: 9 h 30 min
